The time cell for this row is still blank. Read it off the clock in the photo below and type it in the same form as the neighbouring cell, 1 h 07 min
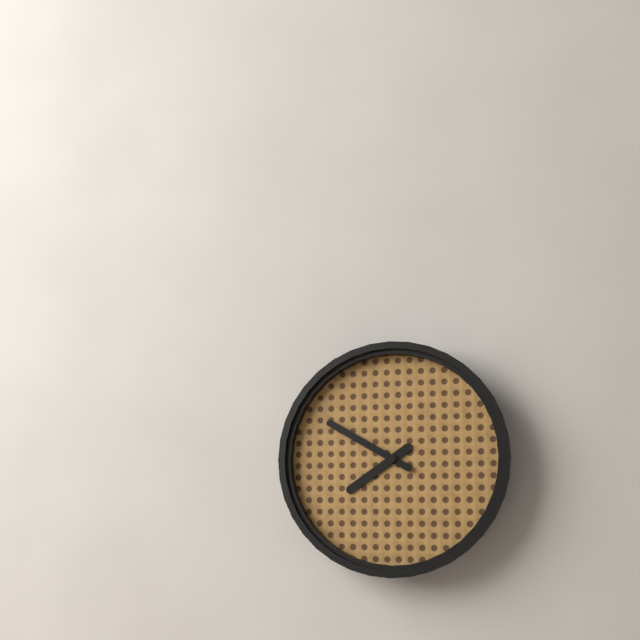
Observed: 7 h 50 min
